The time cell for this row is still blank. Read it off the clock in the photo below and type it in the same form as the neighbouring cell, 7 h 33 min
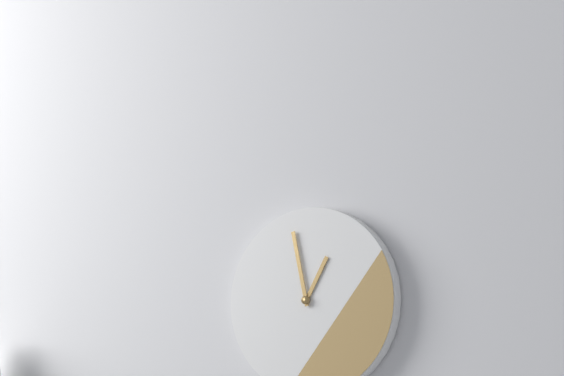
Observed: 12 h 58 min
